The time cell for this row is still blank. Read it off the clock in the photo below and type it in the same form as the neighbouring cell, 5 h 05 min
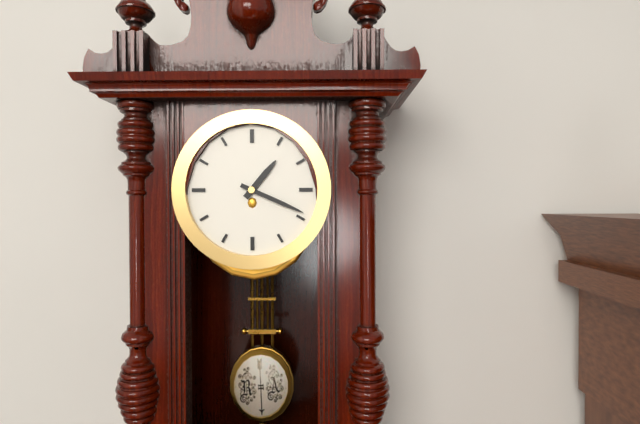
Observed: 1 h 19 min
